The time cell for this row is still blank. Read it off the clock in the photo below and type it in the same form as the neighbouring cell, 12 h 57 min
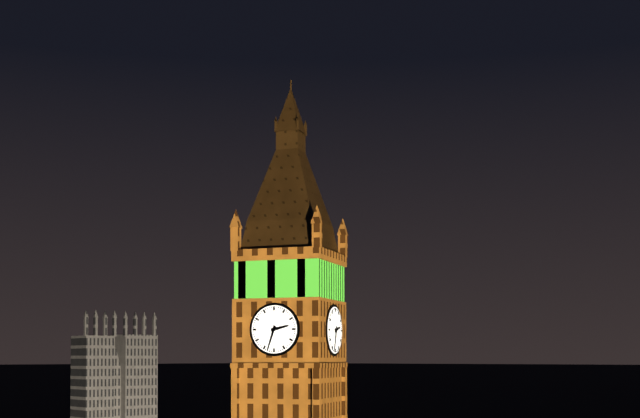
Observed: 2 h 33 min
